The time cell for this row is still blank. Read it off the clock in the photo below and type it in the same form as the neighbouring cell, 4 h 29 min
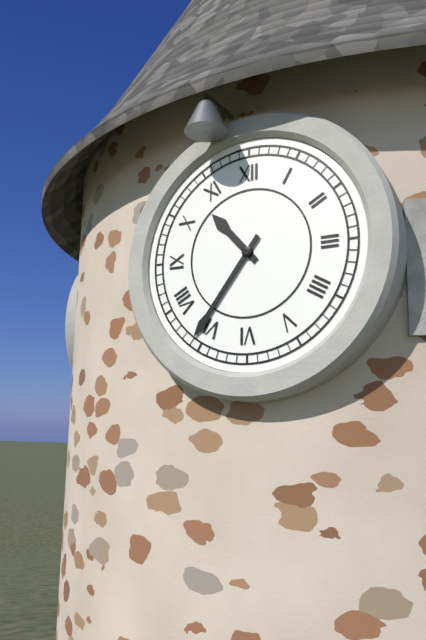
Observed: 10 h 36 min
